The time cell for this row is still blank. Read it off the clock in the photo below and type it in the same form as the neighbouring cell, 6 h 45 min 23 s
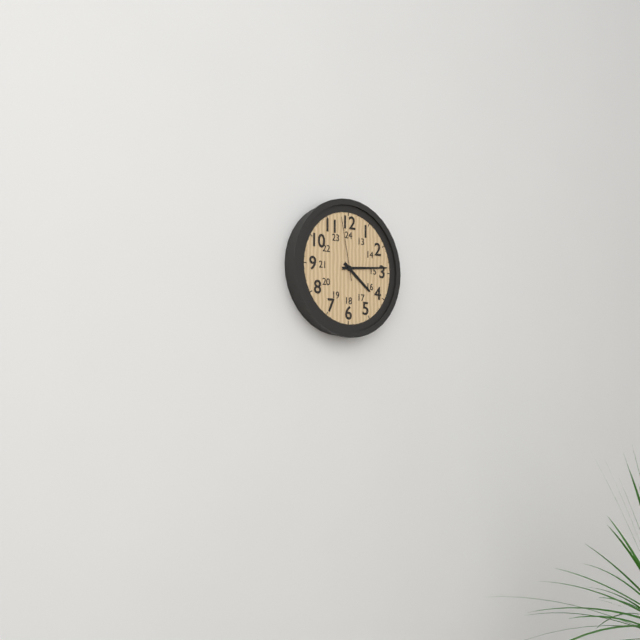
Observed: 4 h 14 min 58 s
